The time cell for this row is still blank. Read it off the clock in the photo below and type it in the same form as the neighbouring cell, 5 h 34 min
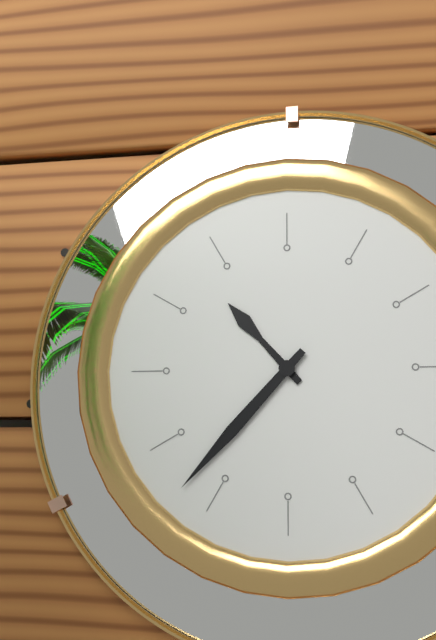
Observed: 10 h 37 min
